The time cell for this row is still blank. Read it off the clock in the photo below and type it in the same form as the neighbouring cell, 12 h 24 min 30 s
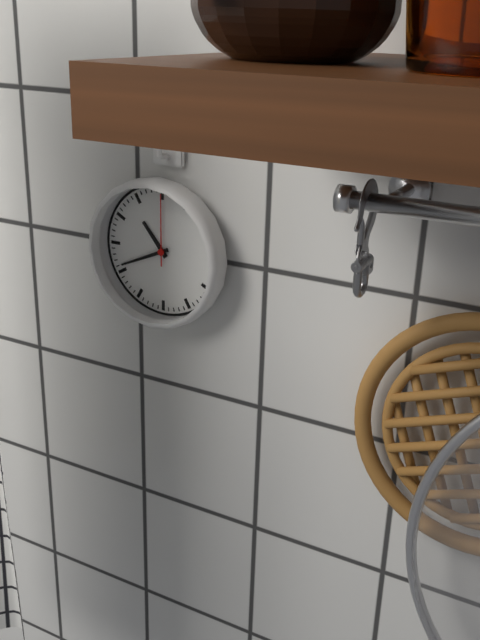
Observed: 10 h 41 min 00 s
